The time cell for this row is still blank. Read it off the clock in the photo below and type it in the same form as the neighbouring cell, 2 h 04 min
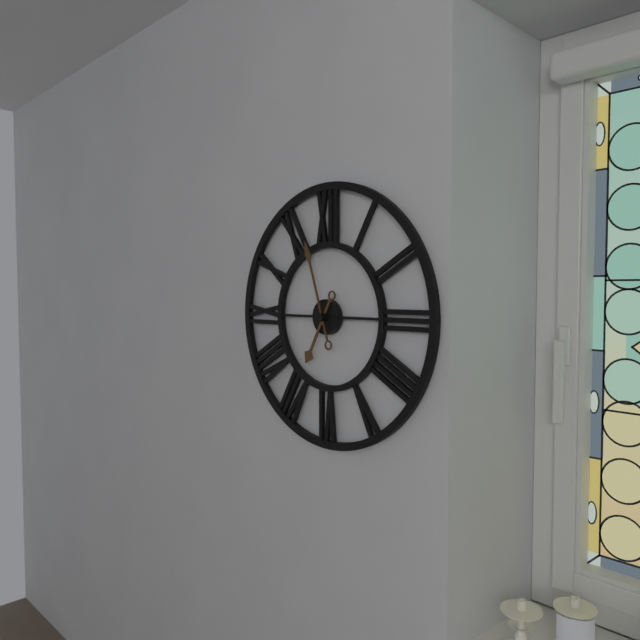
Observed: 6 h 57 min
